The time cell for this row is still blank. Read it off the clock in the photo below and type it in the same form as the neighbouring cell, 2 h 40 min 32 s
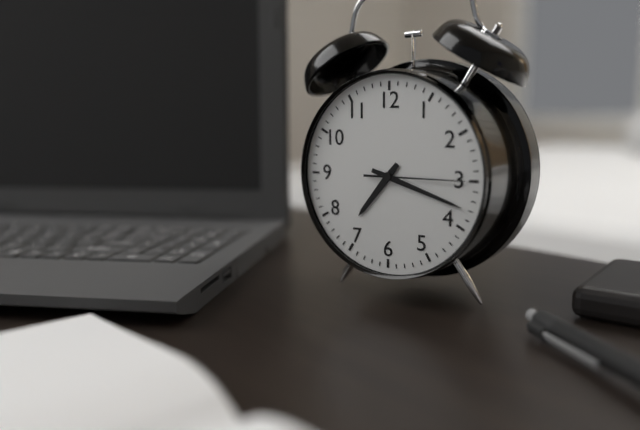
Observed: 7 h 18 min 15 s
